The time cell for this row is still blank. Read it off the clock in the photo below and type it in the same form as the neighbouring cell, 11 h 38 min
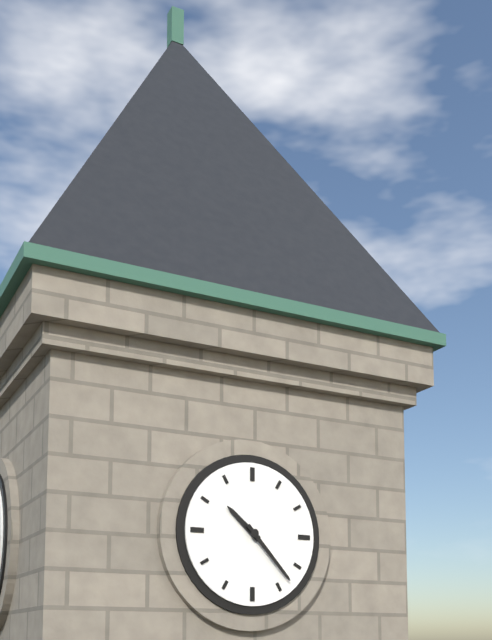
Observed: 10 h 23 min
